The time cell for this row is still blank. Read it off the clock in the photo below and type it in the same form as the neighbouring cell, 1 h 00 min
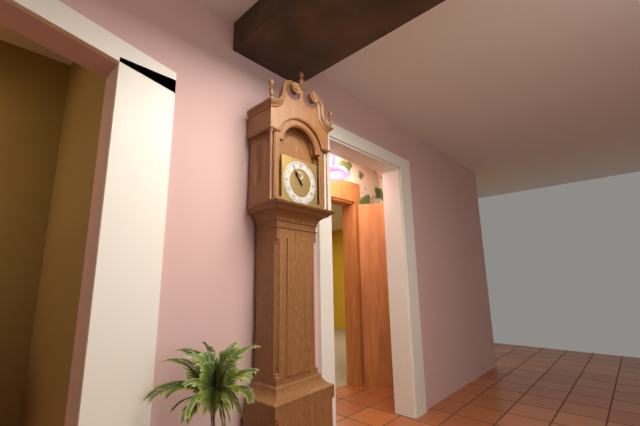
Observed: 10 h 54 min
